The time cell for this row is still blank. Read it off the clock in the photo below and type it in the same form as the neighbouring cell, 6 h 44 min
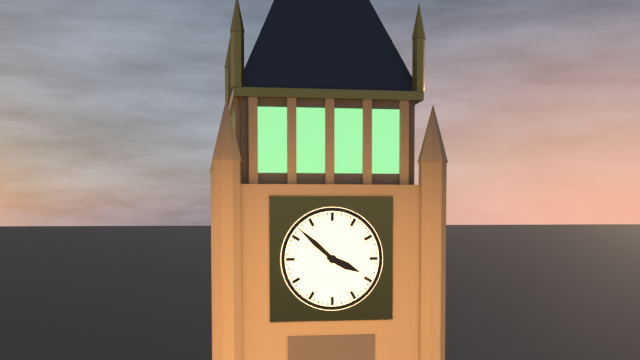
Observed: 3 h 52 min
